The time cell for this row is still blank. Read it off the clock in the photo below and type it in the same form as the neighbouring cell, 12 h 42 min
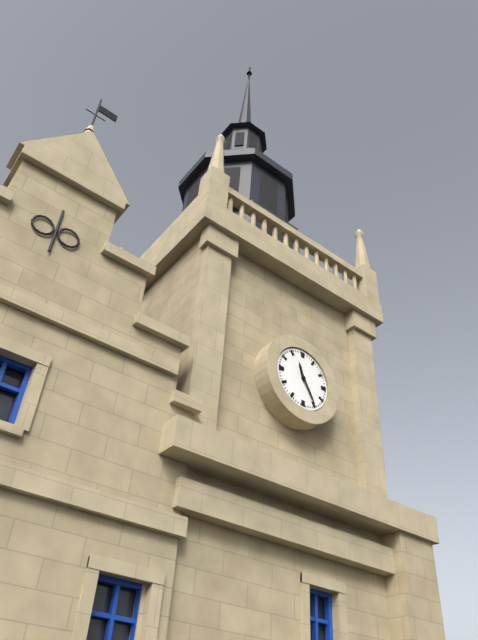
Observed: 11 h 25 min
